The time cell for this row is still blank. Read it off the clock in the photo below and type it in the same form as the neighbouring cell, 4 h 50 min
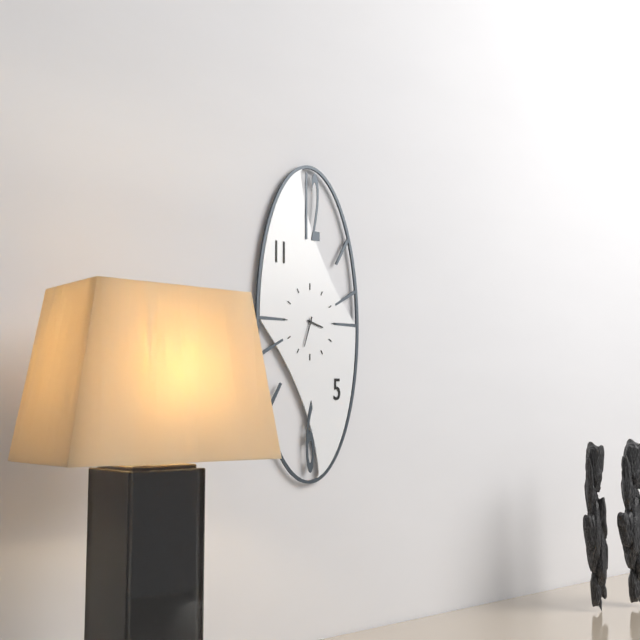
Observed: 3 h 33 min
